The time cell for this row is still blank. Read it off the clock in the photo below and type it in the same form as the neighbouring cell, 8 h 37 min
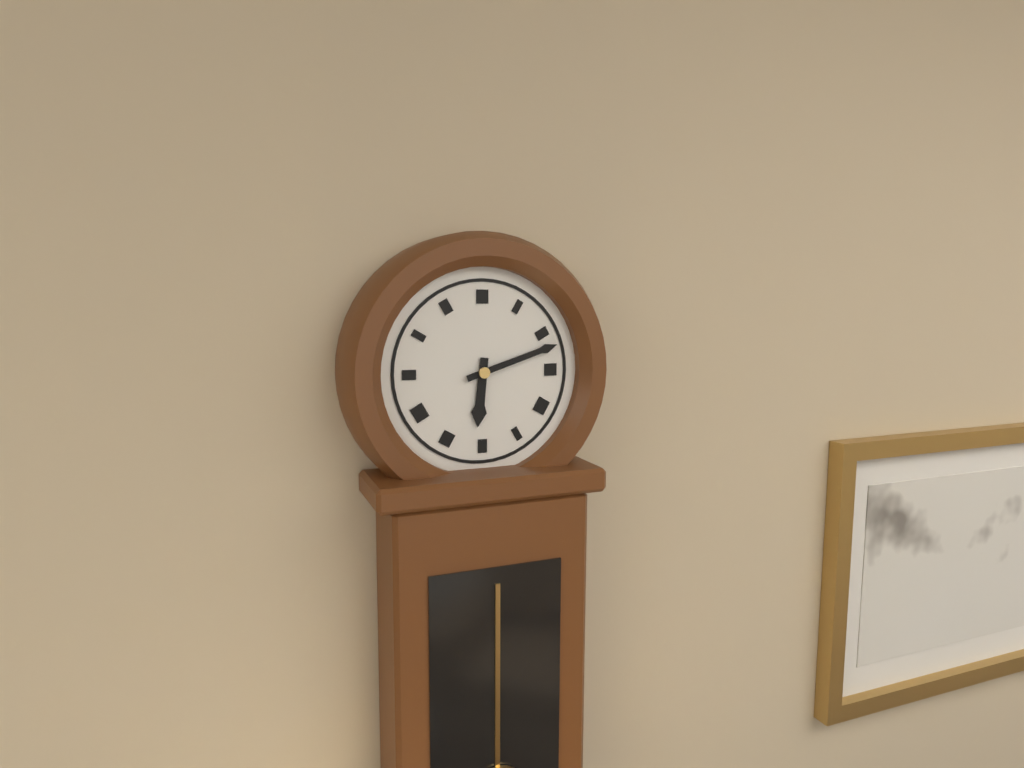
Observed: 6 h 12 min
